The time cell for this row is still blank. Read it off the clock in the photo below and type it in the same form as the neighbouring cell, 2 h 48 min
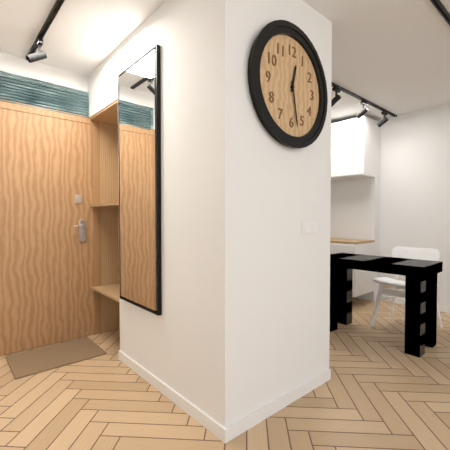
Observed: 12 h 28 min
